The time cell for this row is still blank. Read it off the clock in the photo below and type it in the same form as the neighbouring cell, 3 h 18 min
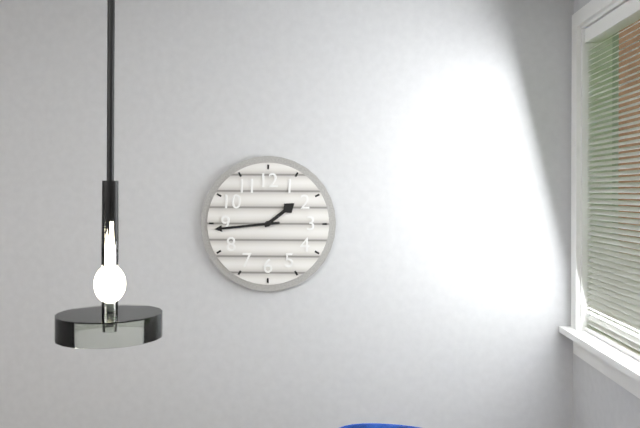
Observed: 1 h 44 min
